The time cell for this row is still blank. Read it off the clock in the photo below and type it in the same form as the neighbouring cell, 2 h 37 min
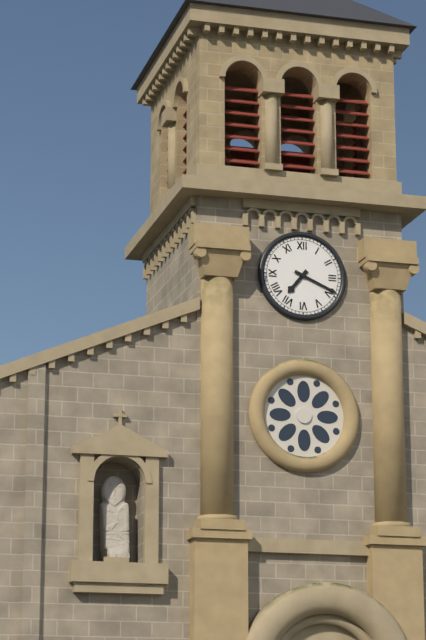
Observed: 7 h 19 min
